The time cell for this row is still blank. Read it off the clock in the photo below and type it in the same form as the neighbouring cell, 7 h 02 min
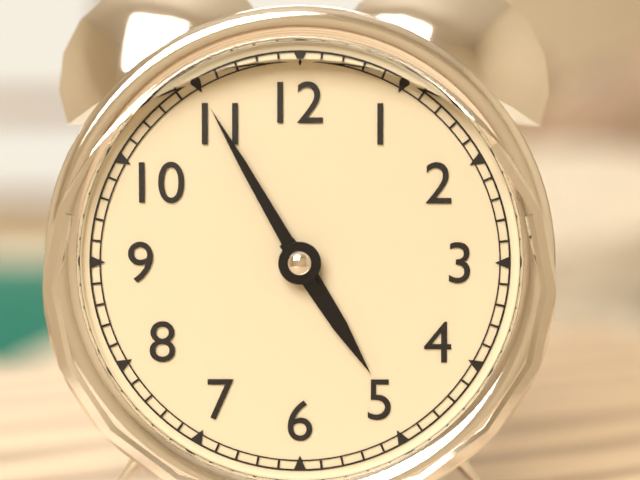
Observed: 4 h 55 min
